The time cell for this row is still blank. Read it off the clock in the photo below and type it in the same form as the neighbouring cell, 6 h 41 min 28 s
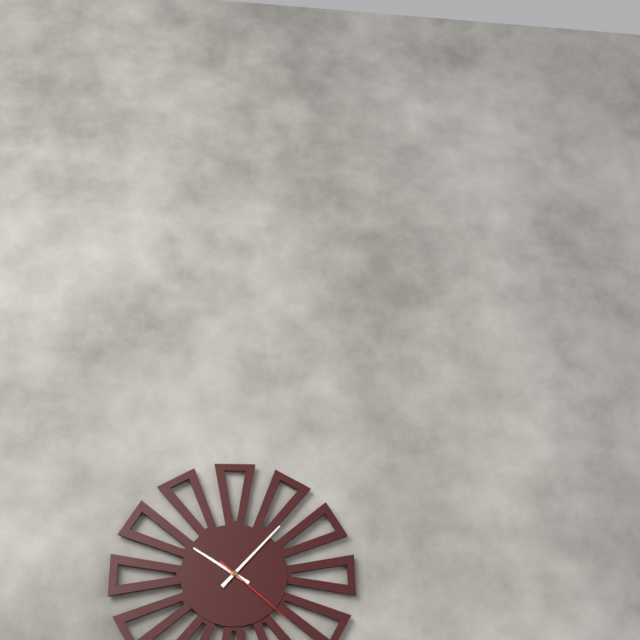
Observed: 10 h 07 min 22 s
